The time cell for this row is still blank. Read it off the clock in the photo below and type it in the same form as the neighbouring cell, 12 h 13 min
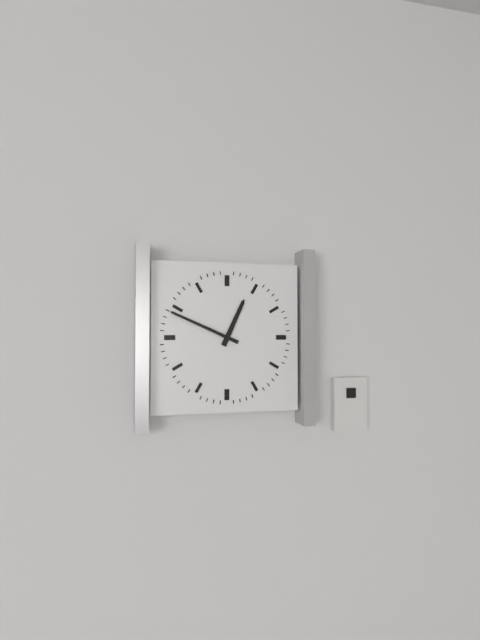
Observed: 12 h 49 min
